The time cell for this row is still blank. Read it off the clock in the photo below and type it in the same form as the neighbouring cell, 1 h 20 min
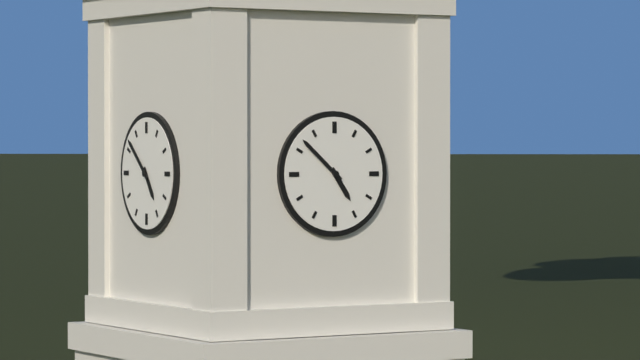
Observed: 4 h 52 min
